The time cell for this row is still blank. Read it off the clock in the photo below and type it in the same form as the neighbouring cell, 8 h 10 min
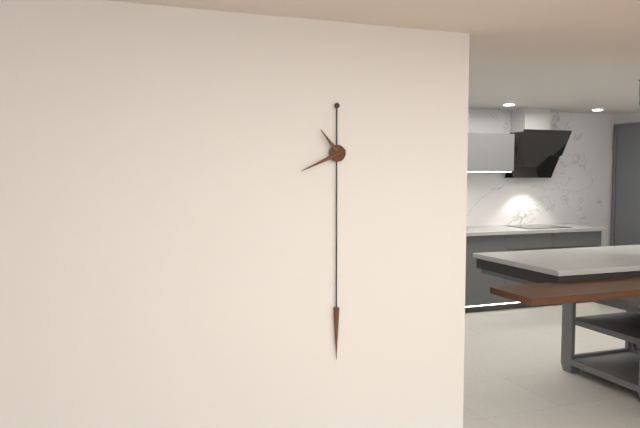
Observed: 10 h 41 min
